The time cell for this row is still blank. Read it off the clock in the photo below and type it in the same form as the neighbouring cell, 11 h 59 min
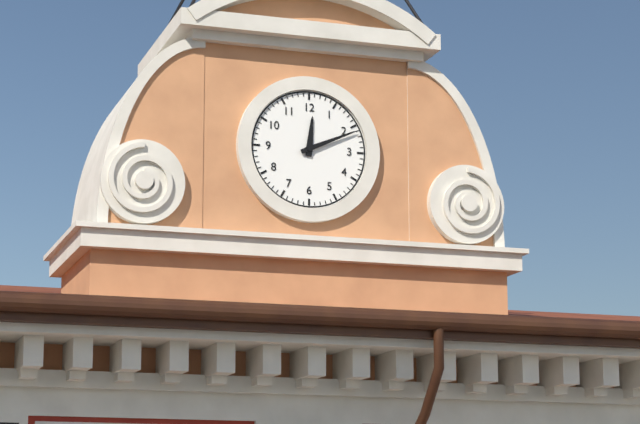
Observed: 12 h 11 min
